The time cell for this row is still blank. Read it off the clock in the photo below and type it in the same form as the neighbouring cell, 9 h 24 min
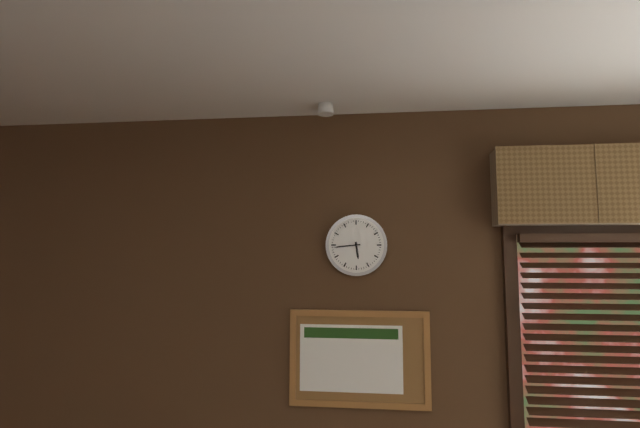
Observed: 5 h 44 min
